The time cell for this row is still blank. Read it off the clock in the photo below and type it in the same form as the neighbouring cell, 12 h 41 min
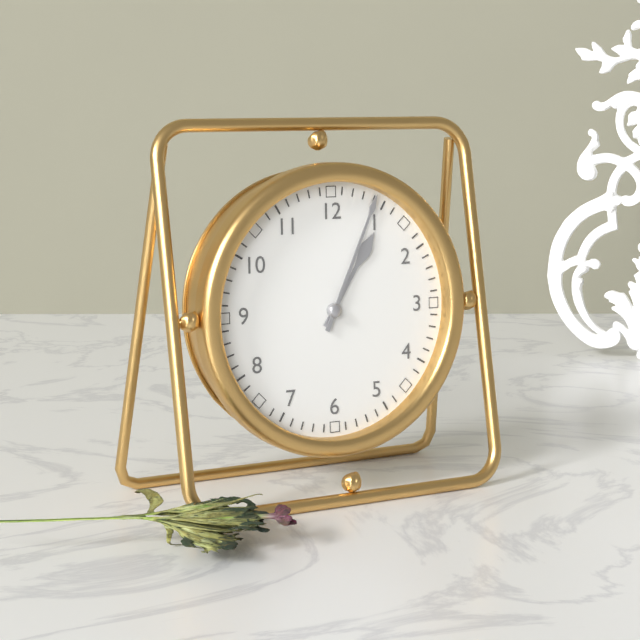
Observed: 1 h 04 min
